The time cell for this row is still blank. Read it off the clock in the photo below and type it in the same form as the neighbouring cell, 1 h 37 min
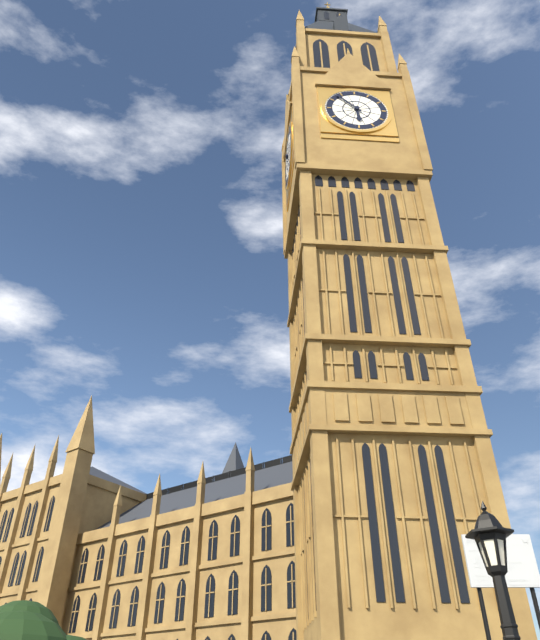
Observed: 5 h 53 min
